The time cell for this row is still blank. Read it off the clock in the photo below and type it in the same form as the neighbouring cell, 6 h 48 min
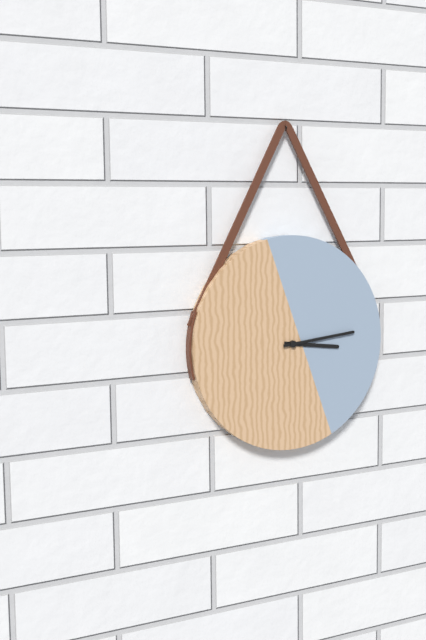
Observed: 3 h 14 min
